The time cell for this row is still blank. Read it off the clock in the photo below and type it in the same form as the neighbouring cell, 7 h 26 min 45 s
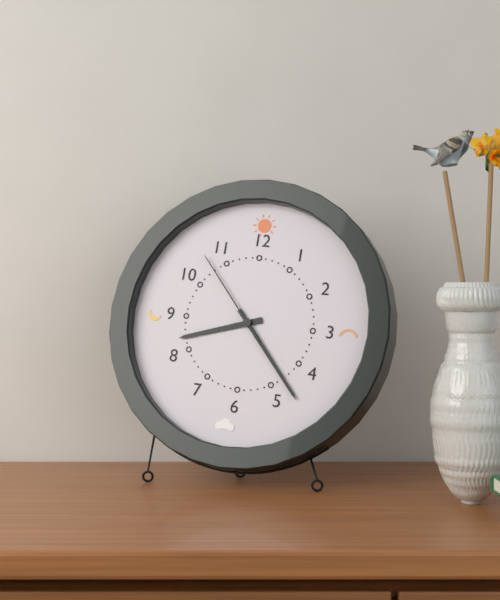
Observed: 8 h 23 min 53 s
